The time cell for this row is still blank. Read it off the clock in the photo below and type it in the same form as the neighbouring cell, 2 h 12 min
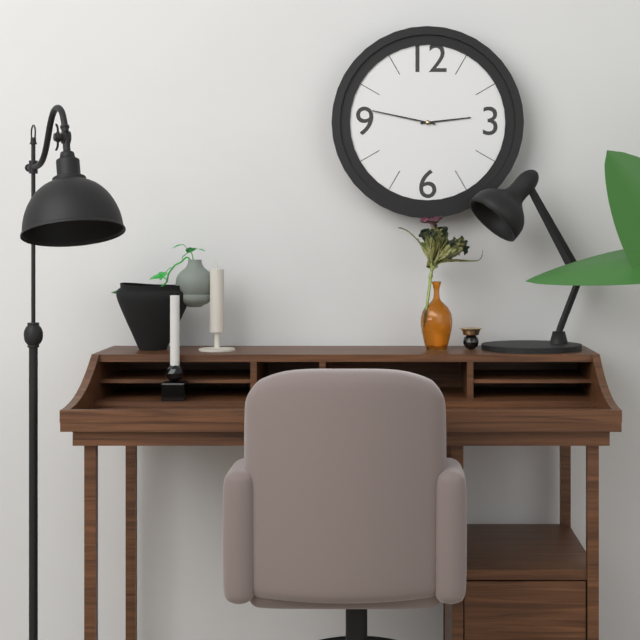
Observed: 2 h 47 min
